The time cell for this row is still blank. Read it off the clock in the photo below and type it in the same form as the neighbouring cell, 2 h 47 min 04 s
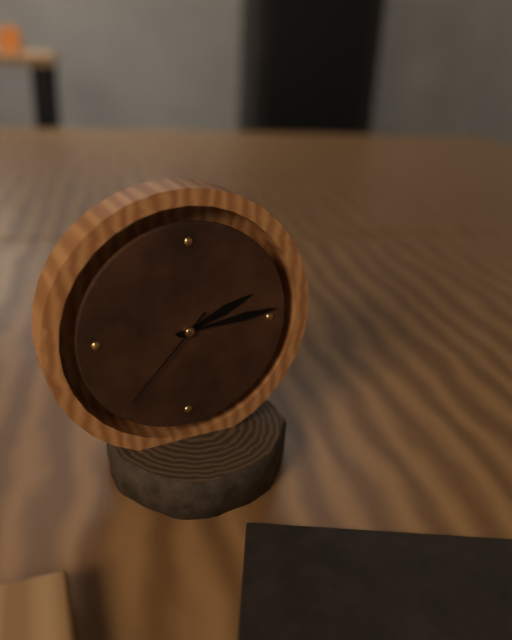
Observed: 2 h 14 min 37 s
